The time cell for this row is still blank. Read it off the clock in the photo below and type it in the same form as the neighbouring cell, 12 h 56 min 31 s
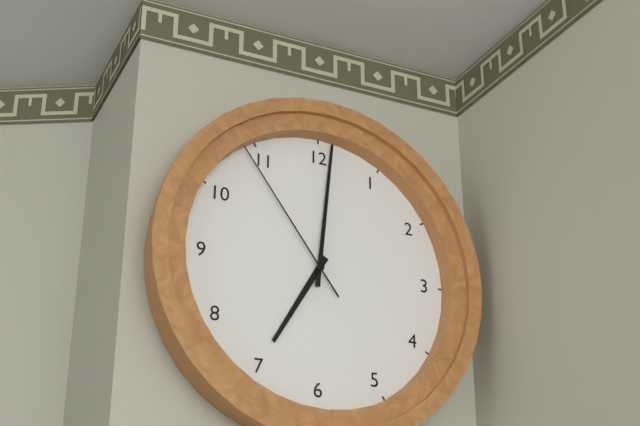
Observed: 7 h 01 min 54 s
